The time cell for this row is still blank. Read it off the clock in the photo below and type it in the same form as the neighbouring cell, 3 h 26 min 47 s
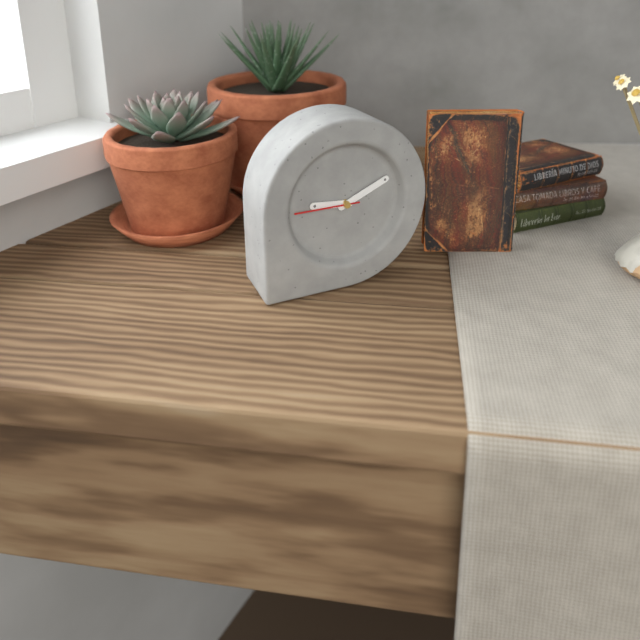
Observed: 9 h 11 min 45 s
